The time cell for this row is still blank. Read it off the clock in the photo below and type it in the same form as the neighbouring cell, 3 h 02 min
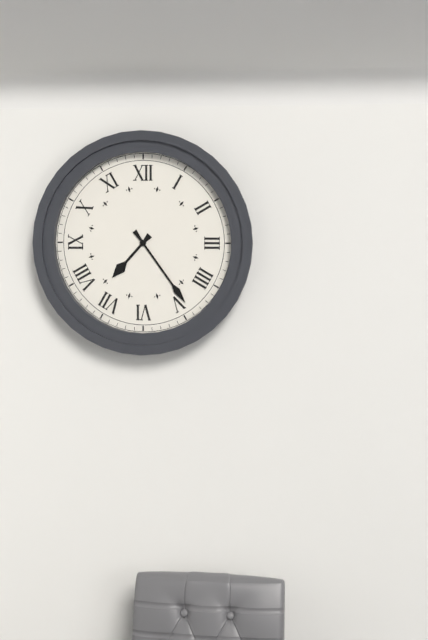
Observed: 7 h 24 min
